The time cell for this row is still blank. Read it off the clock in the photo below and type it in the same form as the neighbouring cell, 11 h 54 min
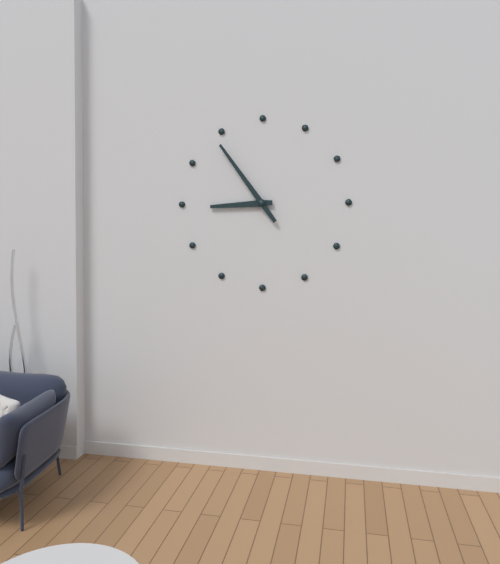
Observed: 8 h 54 min
